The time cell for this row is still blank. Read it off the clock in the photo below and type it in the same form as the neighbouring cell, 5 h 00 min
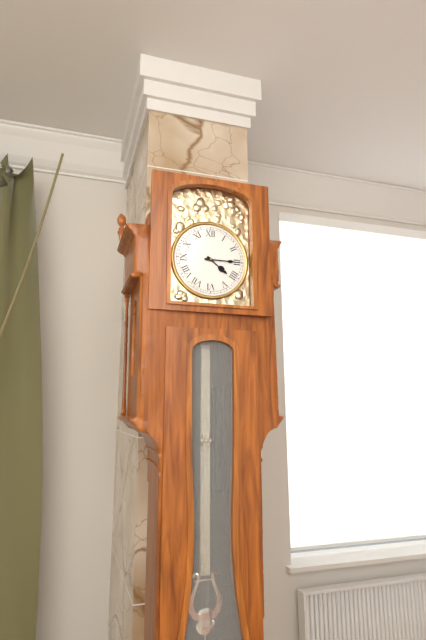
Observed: 4 h 15 min
